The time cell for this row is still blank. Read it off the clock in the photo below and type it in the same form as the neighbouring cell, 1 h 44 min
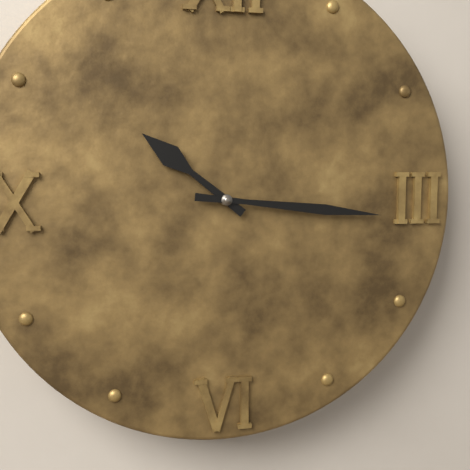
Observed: 10 h 16 min
